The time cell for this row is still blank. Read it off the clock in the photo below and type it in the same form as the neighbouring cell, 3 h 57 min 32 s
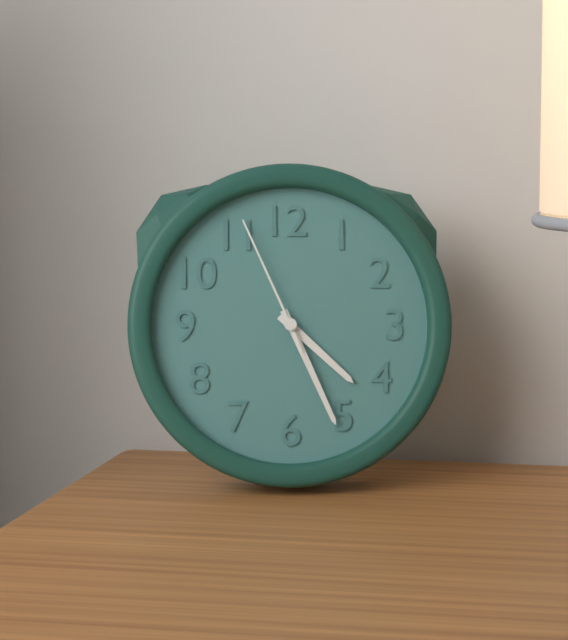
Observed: 4 h 26 min 56 s
